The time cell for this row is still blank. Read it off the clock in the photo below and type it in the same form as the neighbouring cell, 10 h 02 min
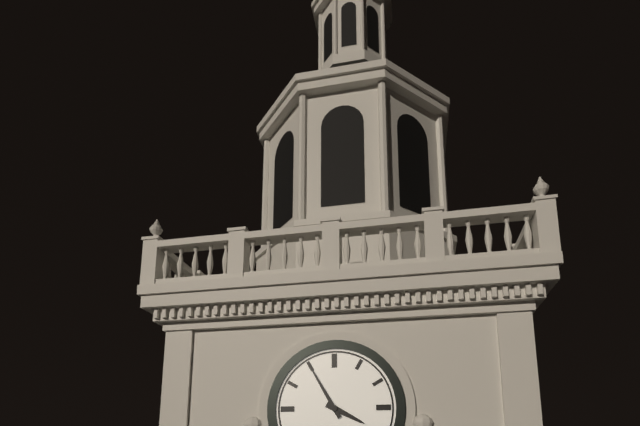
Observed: 3 h 55 min
